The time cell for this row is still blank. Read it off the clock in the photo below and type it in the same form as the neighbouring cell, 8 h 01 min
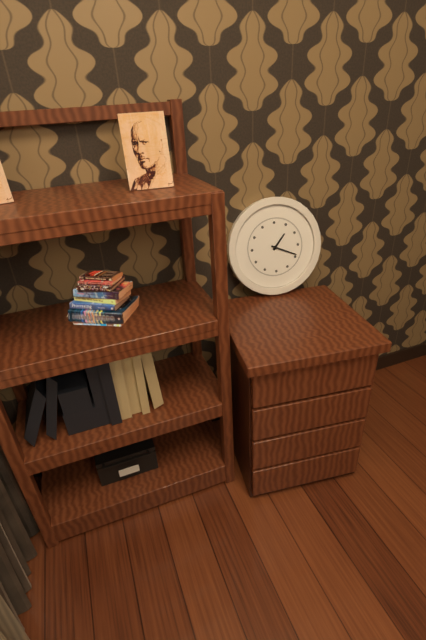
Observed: 1 h 19 min
